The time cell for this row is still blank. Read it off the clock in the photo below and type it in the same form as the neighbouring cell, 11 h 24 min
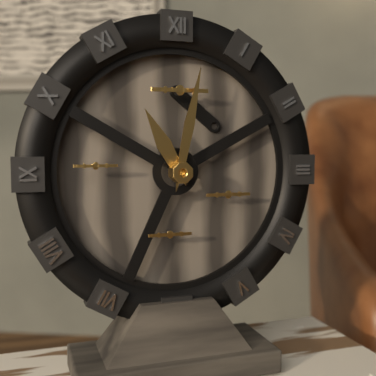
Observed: 11 h 02 min
